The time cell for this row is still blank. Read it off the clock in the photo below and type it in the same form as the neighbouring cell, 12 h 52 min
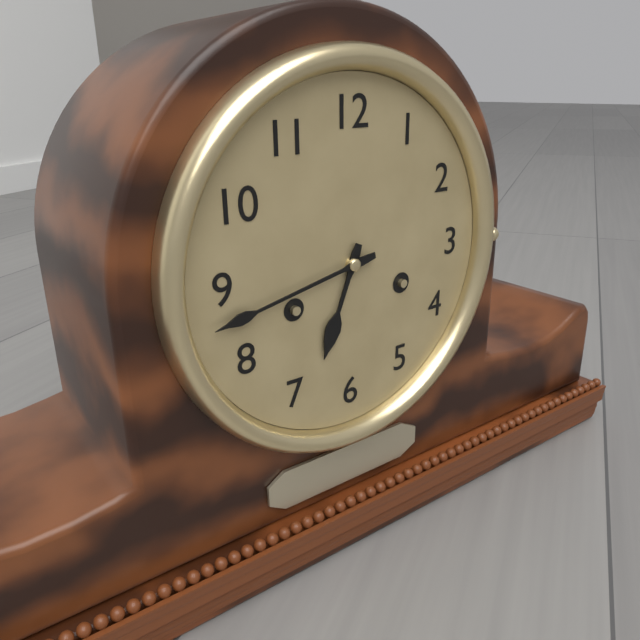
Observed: 6 h 43 min
